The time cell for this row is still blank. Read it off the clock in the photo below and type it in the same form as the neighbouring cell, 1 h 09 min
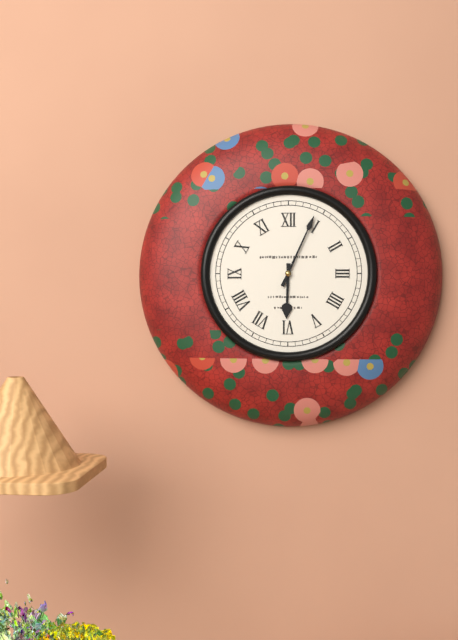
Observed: 6 h 04 min
